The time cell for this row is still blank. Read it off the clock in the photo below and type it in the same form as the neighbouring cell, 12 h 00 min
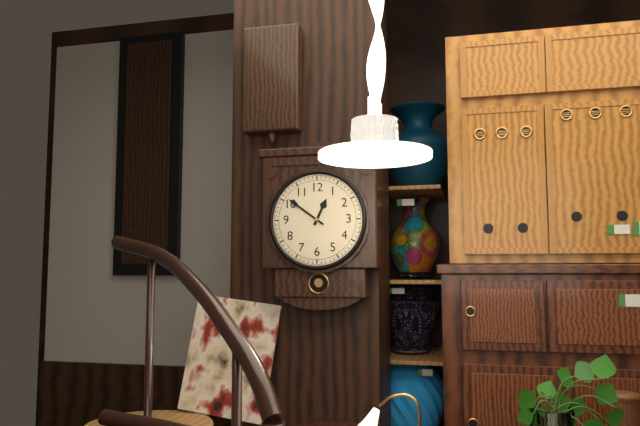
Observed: 12 h 51 min
